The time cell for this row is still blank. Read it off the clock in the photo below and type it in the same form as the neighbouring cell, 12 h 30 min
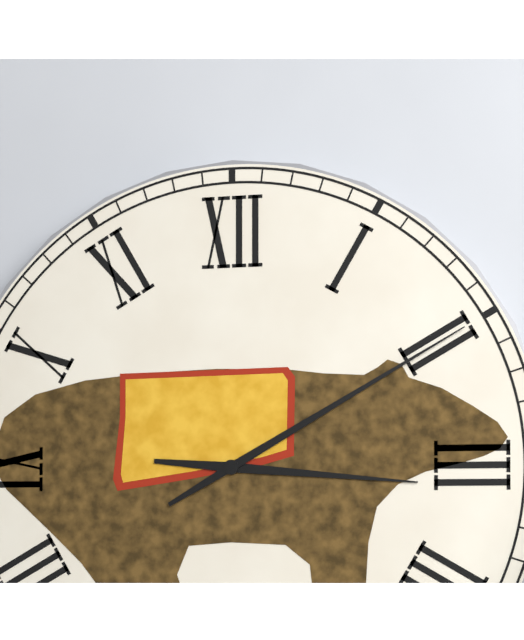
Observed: 3 h 10 min
